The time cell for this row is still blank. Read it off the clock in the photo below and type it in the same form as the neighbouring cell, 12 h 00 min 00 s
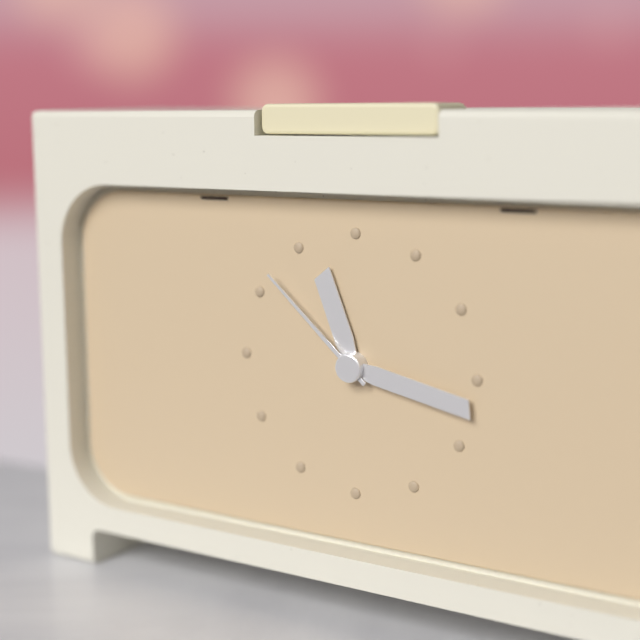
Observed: 11 h 17 min 52 s
